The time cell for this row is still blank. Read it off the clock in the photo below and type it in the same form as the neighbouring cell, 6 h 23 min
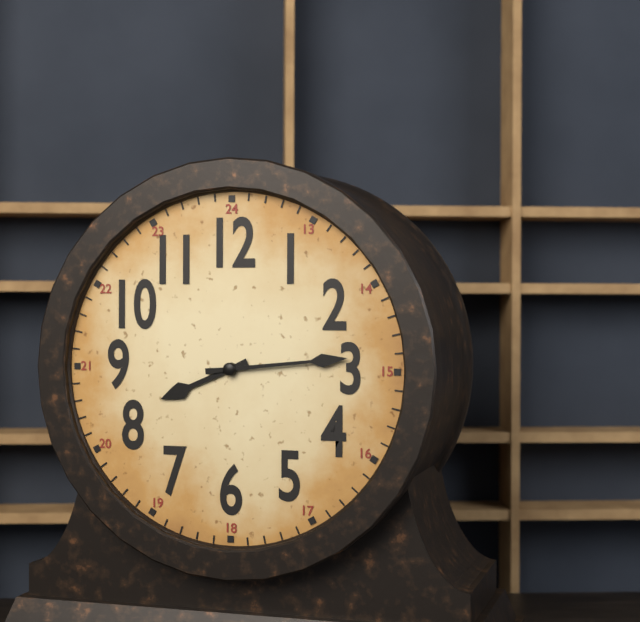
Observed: 8 h 14 min
